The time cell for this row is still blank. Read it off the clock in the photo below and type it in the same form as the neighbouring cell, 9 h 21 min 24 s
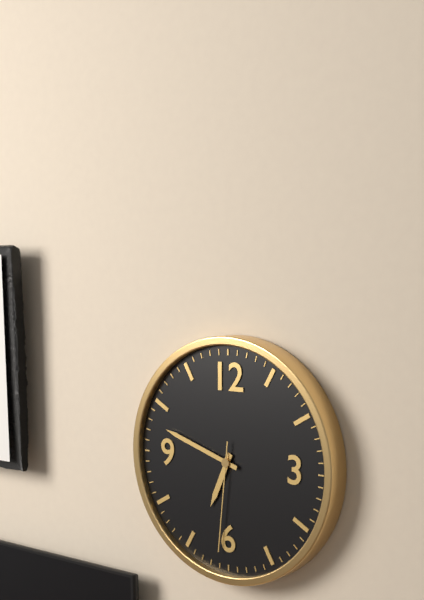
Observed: 6 h 48 min 31 s
